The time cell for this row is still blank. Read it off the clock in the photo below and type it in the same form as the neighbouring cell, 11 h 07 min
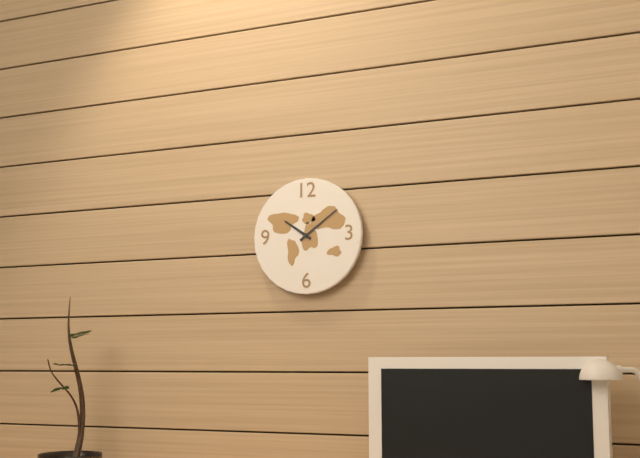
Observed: 10 h 09 min
